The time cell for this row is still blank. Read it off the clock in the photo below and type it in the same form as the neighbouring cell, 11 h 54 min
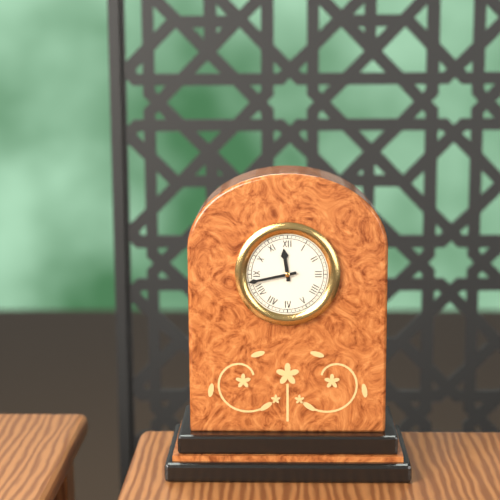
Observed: 11 h 43 min
